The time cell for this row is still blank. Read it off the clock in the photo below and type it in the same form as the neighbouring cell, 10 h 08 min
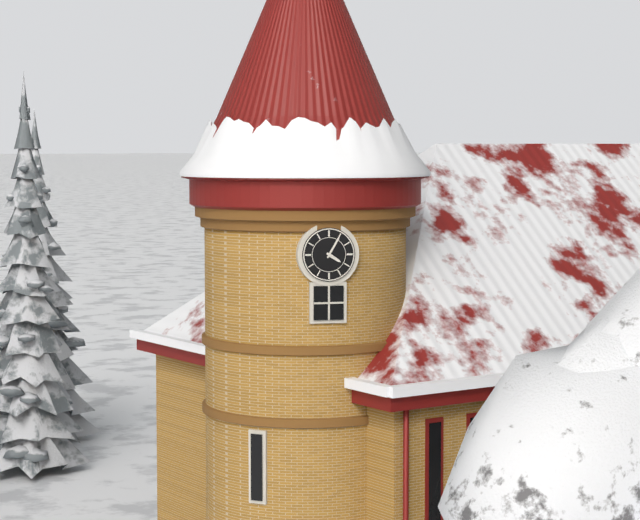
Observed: 4 h 05 min
